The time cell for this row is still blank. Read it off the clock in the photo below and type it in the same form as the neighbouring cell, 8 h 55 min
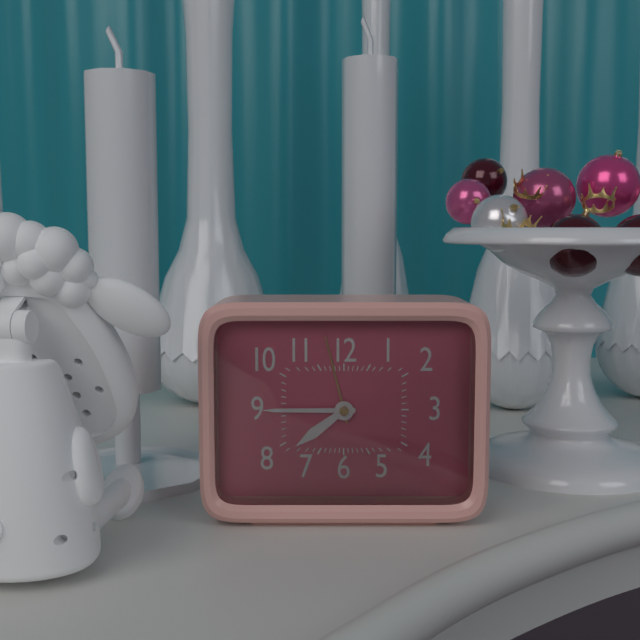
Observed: 7 h 45 min
